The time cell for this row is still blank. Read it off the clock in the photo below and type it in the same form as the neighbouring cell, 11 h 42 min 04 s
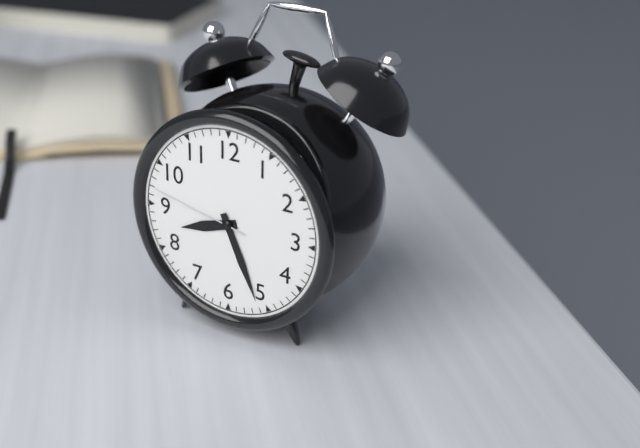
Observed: 8 h 26 min 47 s
